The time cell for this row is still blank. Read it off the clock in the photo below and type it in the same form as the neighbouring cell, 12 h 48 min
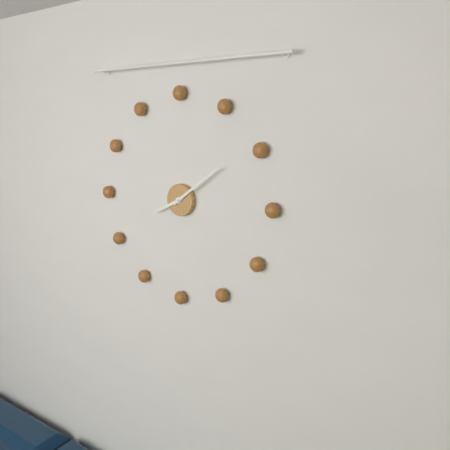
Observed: 8 h 09 min
